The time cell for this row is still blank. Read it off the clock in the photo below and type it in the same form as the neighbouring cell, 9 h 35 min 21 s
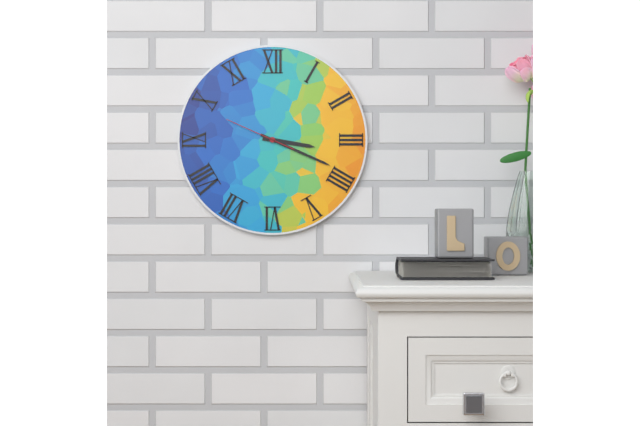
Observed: 3 h 19 min 49 s
